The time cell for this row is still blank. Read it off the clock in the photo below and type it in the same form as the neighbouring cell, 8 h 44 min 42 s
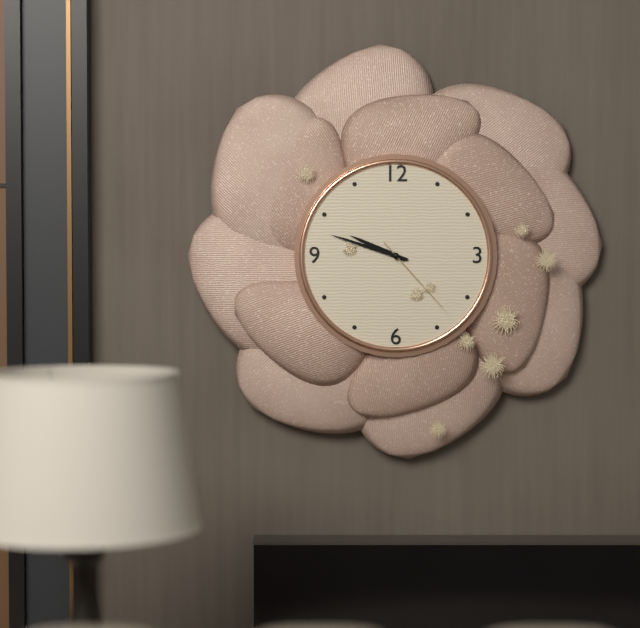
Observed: 9 h 48 min 23 s
